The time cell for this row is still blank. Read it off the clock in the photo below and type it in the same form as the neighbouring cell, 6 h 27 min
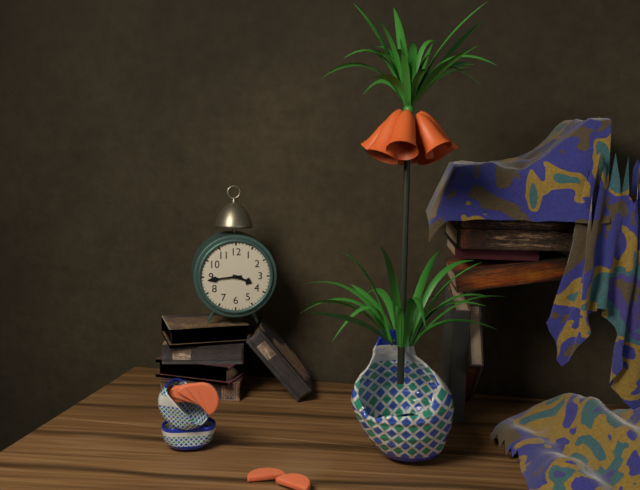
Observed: 3 h 44 min
